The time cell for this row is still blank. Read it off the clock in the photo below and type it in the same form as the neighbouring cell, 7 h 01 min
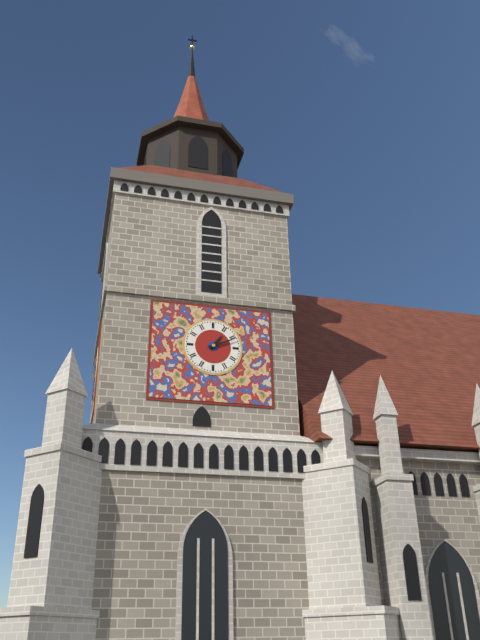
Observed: 1 h 11 min
